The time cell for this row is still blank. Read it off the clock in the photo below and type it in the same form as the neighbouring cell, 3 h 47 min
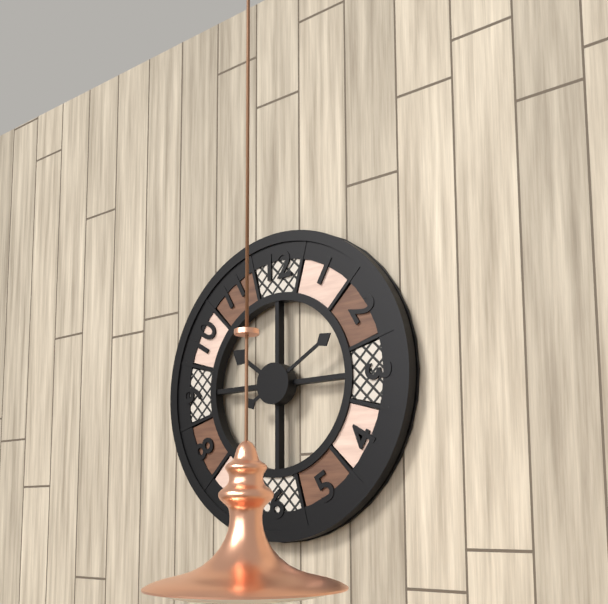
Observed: 10 h 10 min
